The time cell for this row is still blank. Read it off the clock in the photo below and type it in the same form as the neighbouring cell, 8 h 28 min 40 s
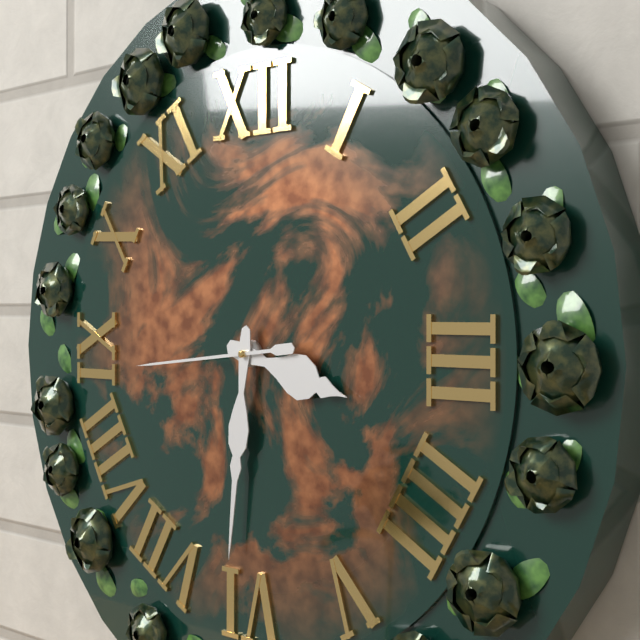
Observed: 3 h 31 min 44 s
